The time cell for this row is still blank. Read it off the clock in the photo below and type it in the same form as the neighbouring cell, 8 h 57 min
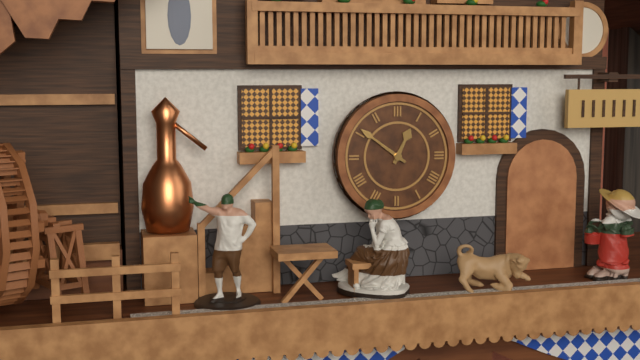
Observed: 12 h 51 min
